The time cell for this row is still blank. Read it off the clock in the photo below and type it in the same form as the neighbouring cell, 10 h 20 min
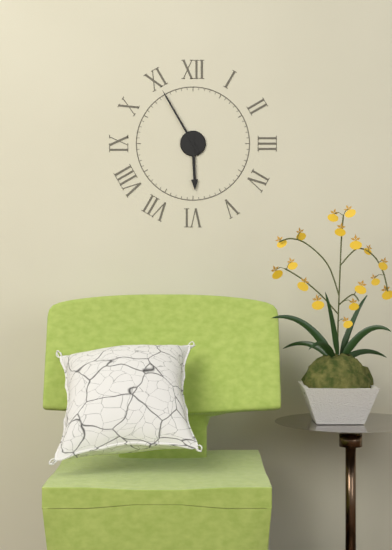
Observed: 5 h 55 min
